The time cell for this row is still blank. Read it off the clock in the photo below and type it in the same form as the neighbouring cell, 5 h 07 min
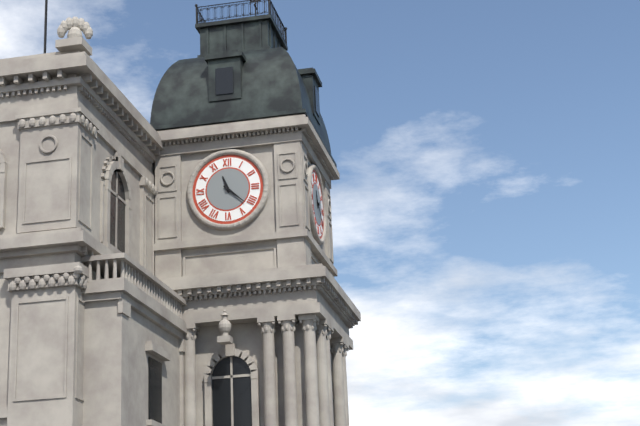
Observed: 11 h 22 min
